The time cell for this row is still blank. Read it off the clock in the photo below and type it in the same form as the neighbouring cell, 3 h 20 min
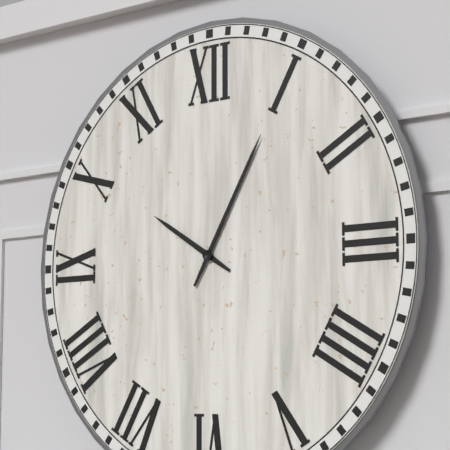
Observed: 10 h 05 min
